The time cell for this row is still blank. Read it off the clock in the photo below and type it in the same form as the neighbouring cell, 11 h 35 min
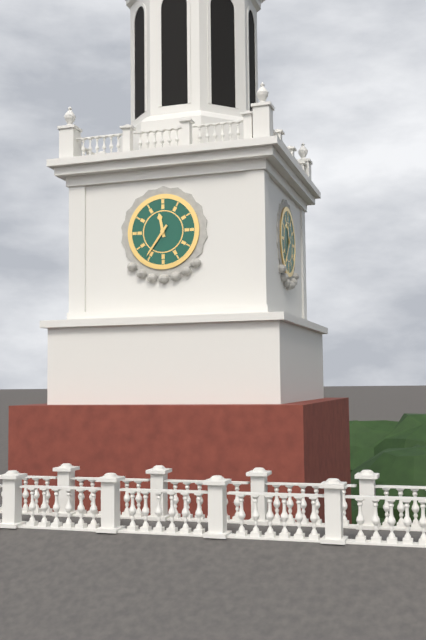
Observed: 11 h 36 min
